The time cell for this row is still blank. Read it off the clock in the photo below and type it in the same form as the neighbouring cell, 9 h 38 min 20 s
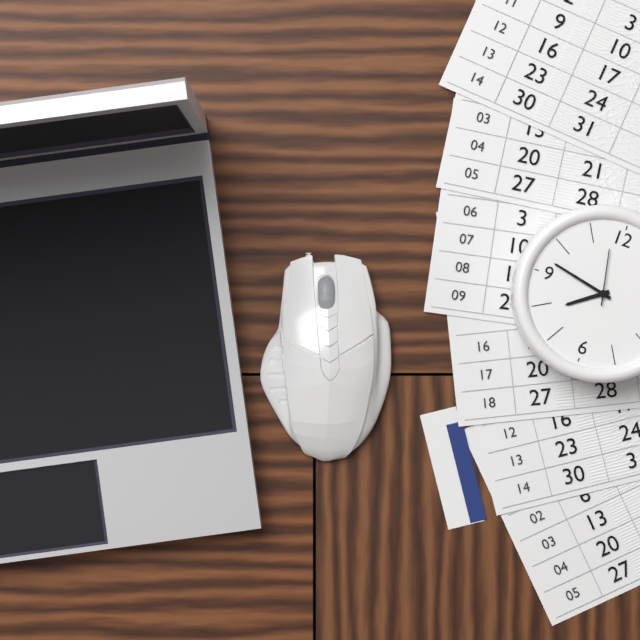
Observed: 7 h 47 min 58 s
